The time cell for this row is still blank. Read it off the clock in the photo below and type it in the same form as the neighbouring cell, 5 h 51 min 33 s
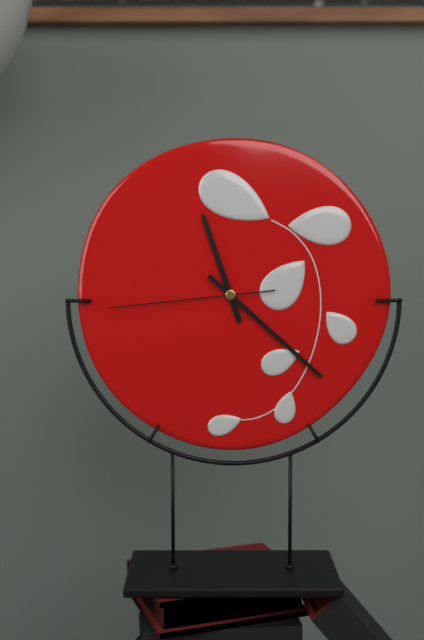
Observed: 11 h 22 min 44 s
